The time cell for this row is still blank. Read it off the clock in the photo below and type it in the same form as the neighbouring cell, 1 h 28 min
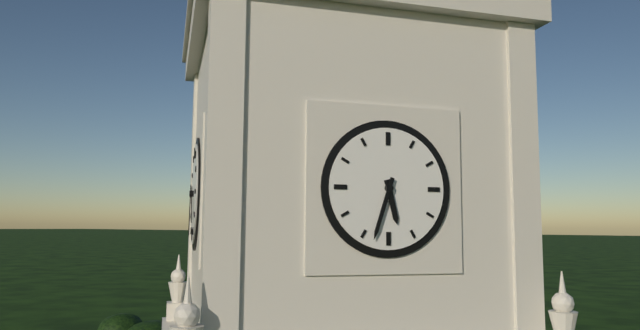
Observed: 5 h 33 min
